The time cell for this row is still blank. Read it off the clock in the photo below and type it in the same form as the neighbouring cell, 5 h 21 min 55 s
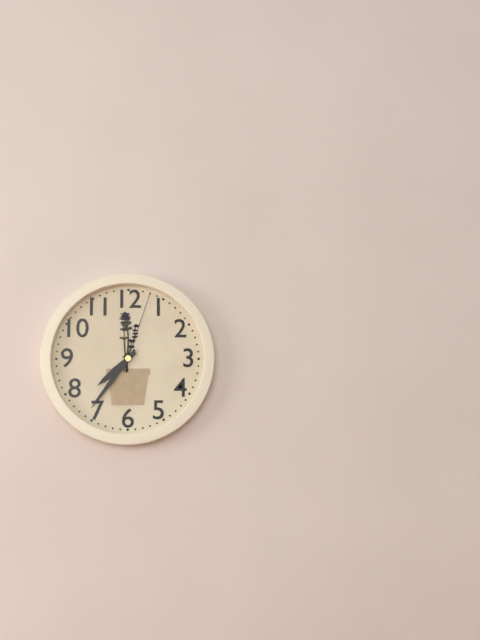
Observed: 7 h 36 min 03 s
